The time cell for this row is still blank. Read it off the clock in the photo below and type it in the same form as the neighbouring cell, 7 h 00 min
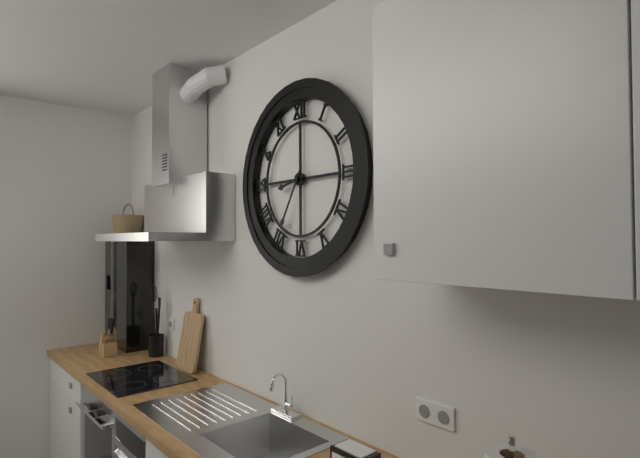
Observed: 8 h 35 min
